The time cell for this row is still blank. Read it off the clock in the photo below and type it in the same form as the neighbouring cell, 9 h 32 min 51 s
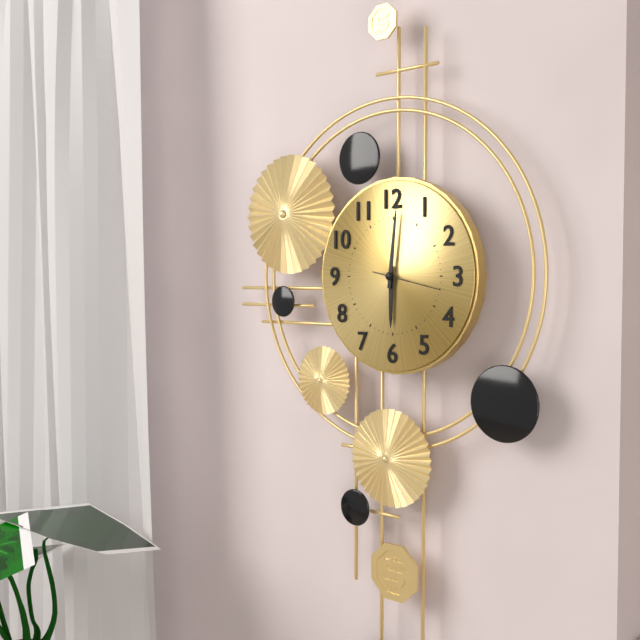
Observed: 6 h 01 min 17 s
